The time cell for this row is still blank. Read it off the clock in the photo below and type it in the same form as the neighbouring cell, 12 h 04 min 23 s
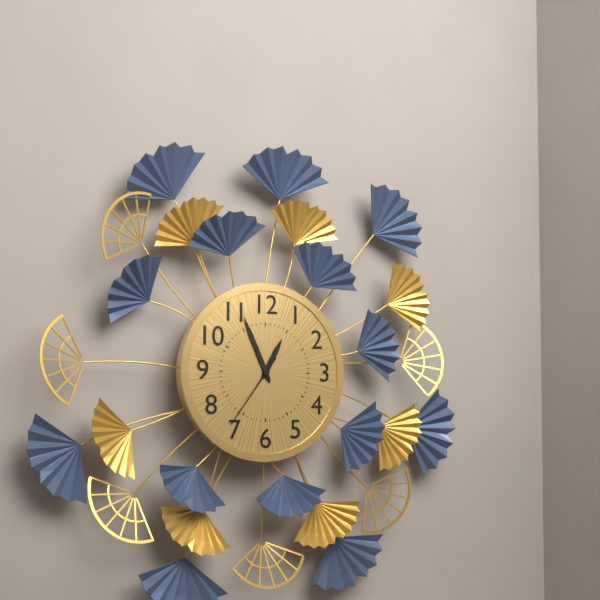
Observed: 12 h 56 min 36 s
